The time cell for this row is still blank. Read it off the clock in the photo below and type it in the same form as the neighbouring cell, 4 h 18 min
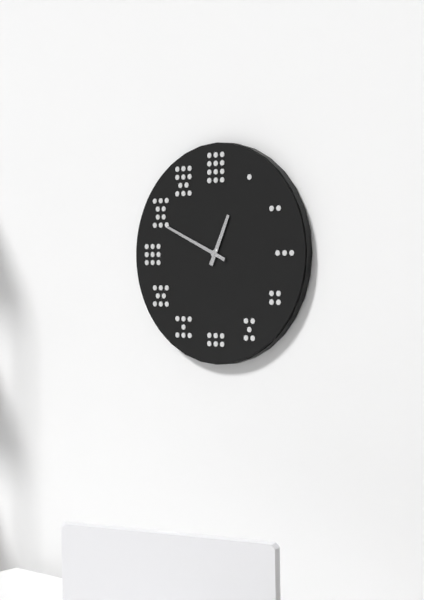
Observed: 12 h 49 min
